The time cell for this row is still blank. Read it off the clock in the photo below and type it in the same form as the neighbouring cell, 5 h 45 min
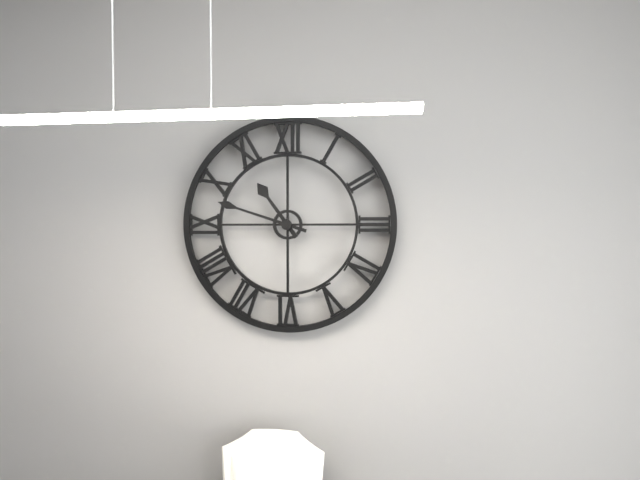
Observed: 10 h 48 min
